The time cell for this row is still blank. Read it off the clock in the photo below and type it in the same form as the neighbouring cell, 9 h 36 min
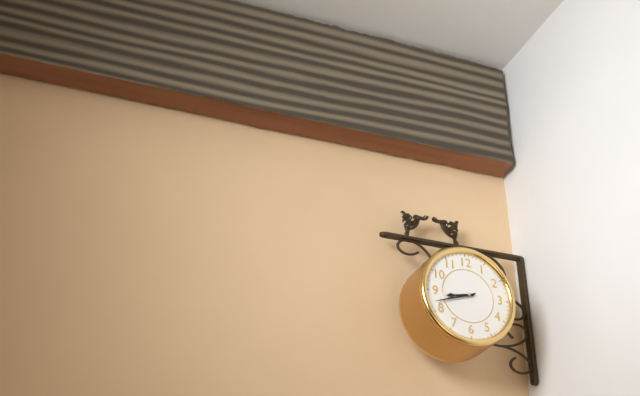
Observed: 8 h 42 min
